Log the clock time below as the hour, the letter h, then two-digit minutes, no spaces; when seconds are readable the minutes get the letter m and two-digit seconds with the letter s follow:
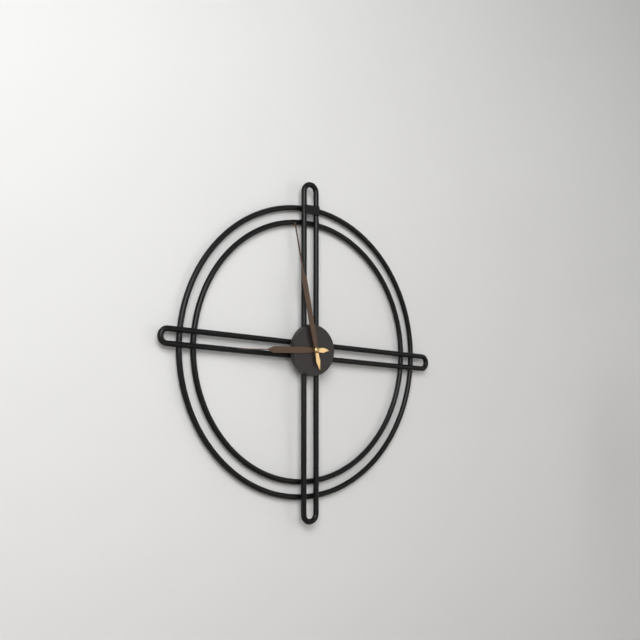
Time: 8h58
